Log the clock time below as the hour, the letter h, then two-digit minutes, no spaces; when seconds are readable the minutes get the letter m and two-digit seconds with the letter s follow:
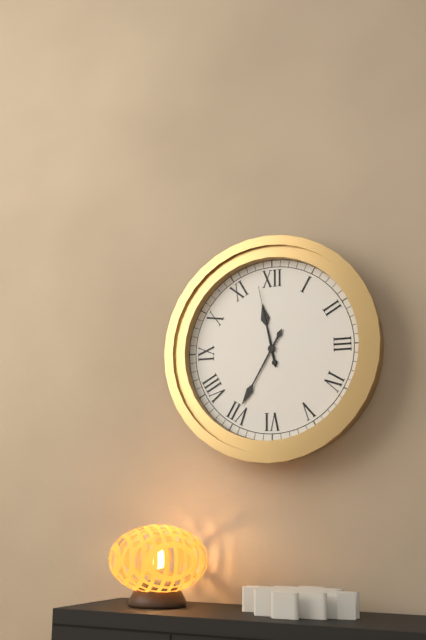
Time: 11h35m58s
